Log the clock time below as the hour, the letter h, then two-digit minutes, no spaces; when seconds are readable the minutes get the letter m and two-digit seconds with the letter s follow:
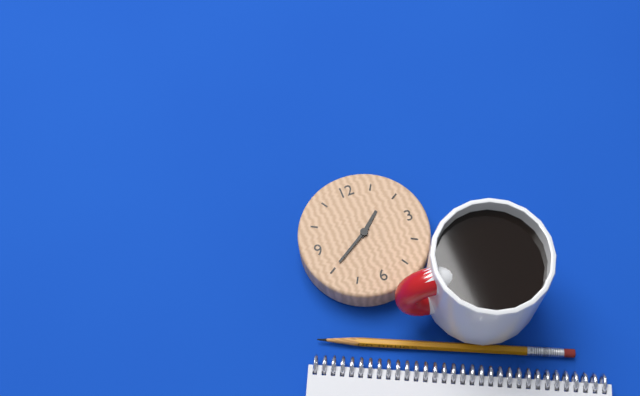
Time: 1h40
